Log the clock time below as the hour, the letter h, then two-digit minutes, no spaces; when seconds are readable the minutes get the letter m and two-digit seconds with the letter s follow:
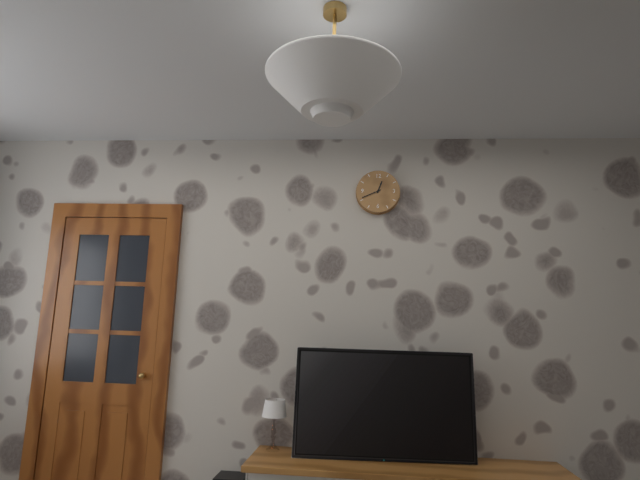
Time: 12h41
